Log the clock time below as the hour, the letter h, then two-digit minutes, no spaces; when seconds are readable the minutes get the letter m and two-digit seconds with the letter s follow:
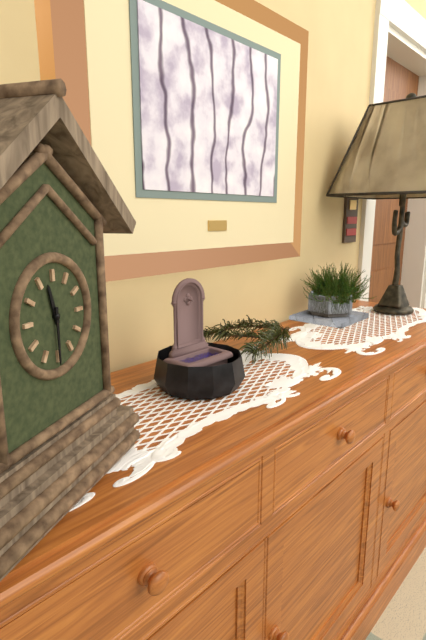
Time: 11h30
